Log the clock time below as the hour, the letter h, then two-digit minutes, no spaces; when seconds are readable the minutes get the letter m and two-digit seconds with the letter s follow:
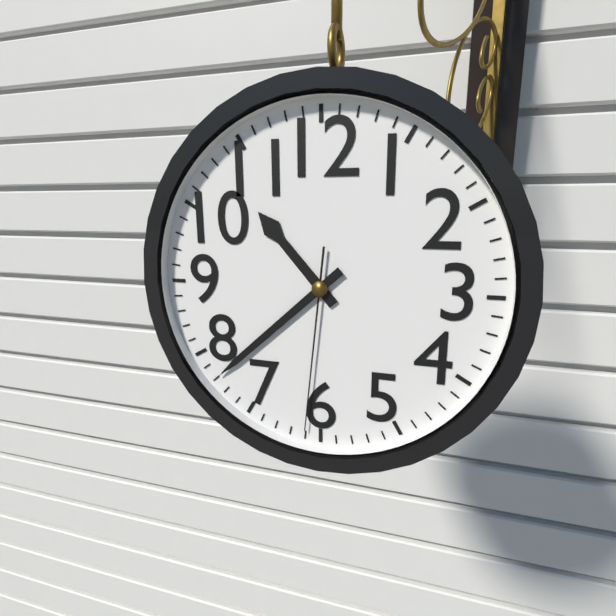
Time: 10h38m31s
